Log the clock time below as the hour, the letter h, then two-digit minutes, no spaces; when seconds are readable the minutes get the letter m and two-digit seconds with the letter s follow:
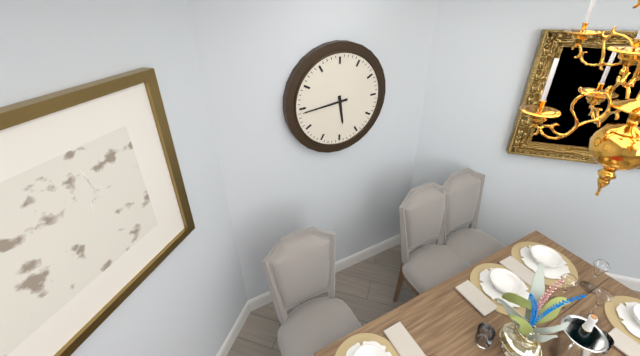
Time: 5h44
